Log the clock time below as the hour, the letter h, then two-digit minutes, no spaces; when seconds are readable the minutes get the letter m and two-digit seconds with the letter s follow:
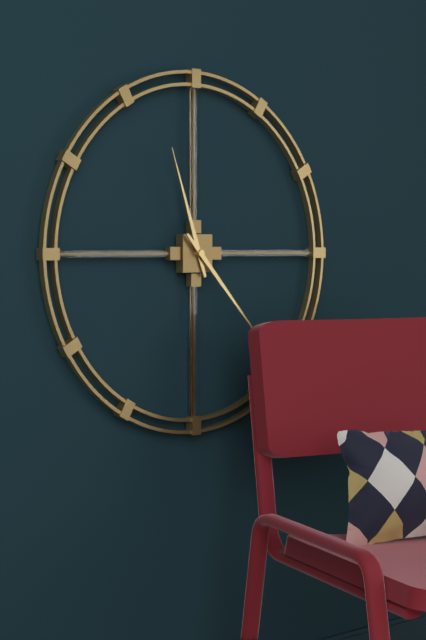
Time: 11h23
